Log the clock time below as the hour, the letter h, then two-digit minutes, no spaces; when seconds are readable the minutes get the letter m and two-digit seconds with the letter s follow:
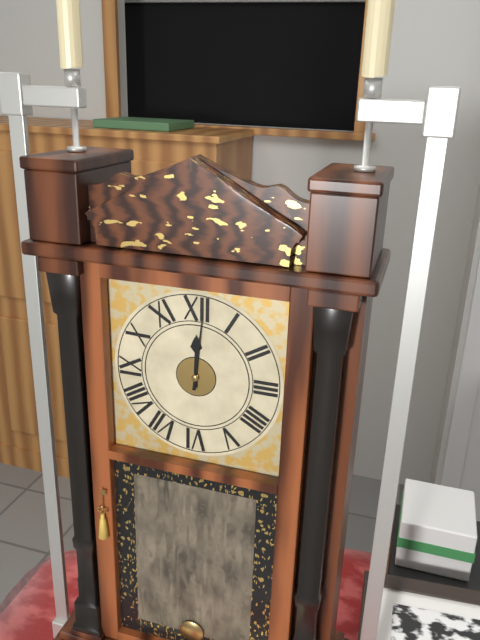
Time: 12h01
